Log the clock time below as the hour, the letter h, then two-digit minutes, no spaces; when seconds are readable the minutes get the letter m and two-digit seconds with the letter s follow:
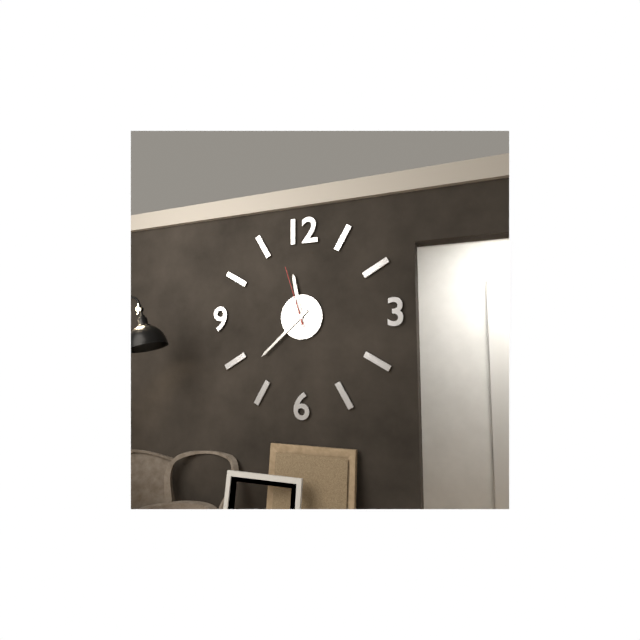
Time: 11h38m57s
